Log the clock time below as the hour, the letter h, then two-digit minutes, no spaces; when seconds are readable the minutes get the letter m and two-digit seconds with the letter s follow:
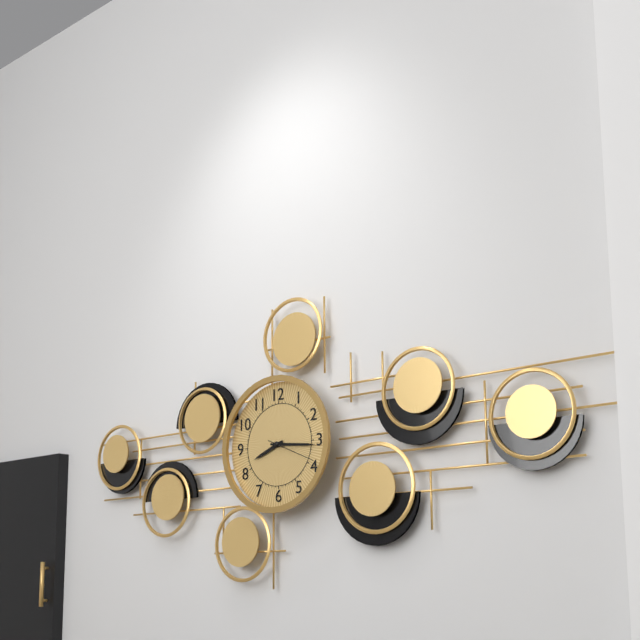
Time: 8h16
